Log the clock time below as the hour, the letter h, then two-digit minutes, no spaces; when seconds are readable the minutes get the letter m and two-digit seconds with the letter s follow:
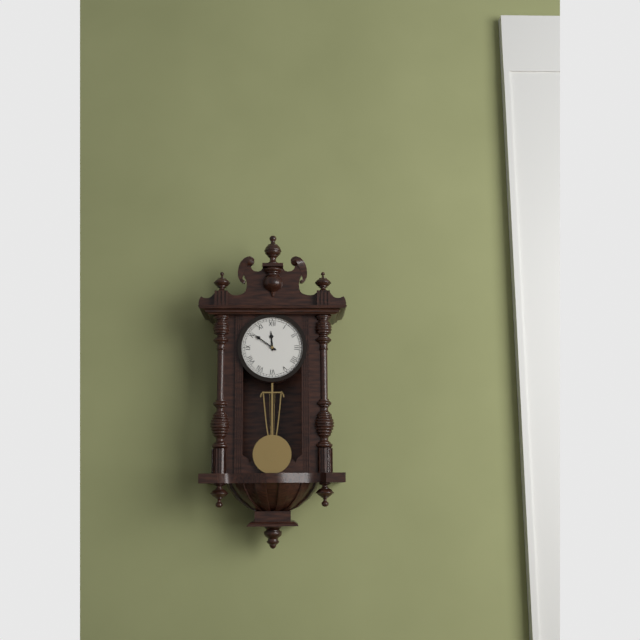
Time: 11h51
